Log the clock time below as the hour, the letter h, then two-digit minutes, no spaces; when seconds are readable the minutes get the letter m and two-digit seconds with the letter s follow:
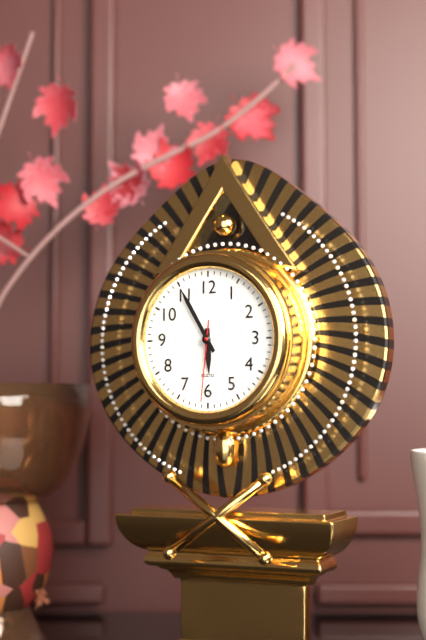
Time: 5h55m31s
